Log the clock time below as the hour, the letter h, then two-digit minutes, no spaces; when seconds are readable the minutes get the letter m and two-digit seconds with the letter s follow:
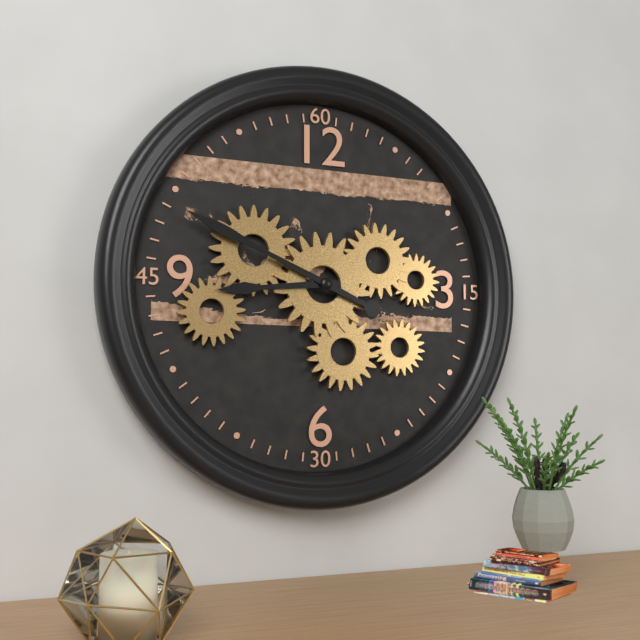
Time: 8h49
